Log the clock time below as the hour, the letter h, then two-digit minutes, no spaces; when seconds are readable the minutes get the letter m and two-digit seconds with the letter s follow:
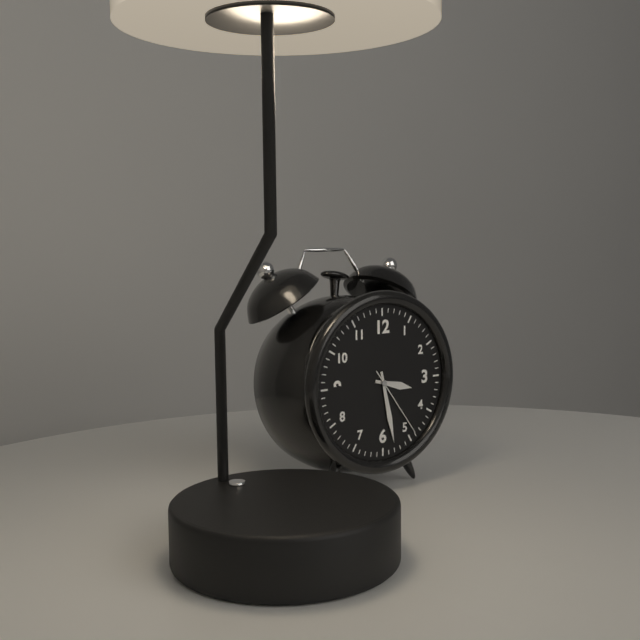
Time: 3h28m24s
